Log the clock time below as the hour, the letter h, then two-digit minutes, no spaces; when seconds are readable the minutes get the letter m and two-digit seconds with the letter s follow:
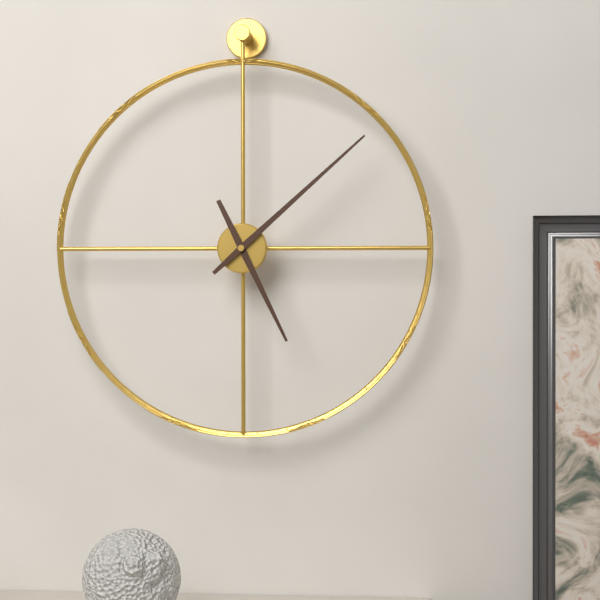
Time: 5h08
